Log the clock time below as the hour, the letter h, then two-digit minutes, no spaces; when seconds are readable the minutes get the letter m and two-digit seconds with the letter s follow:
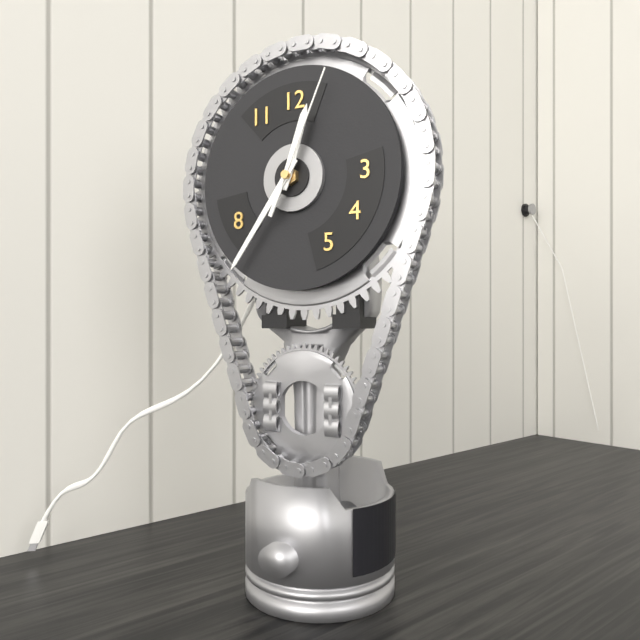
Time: 12h36m04s
